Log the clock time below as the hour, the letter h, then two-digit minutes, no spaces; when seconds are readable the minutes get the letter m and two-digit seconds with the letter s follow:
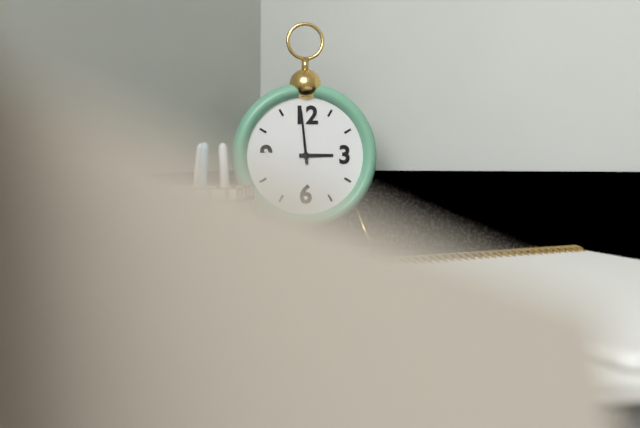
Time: 2h59
